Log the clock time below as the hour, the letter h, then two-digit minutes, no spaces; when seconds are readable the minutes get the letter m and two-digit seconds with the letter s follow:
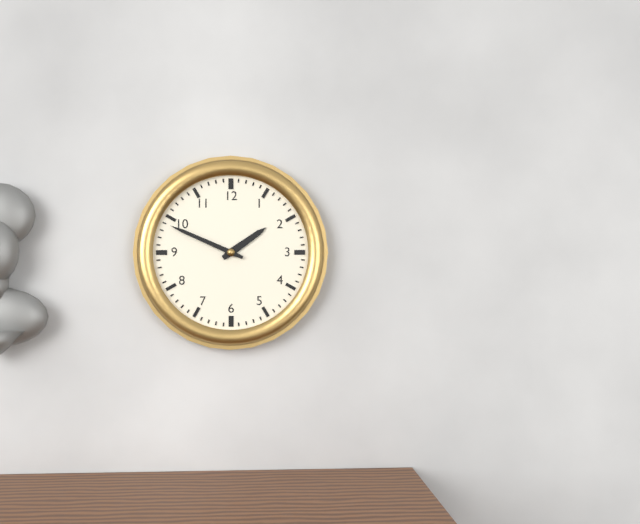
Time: 1h49
